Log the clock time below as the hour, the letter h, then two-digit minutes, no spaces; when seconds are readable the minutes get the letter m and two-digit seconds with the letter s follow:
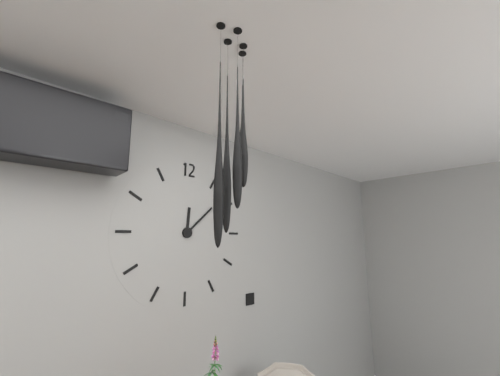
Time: 12h08
